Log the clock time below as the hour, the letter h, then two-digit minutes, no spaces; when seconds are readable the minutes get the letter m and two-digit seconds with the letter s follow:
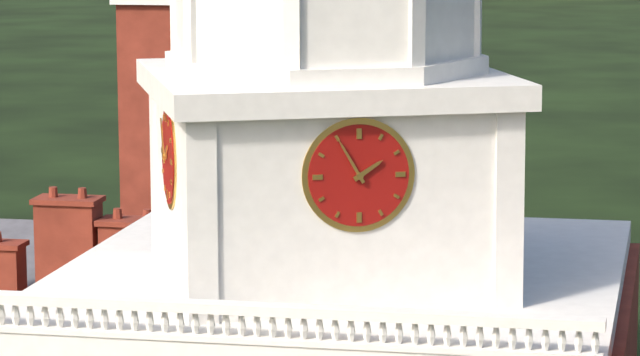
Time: 1h55
